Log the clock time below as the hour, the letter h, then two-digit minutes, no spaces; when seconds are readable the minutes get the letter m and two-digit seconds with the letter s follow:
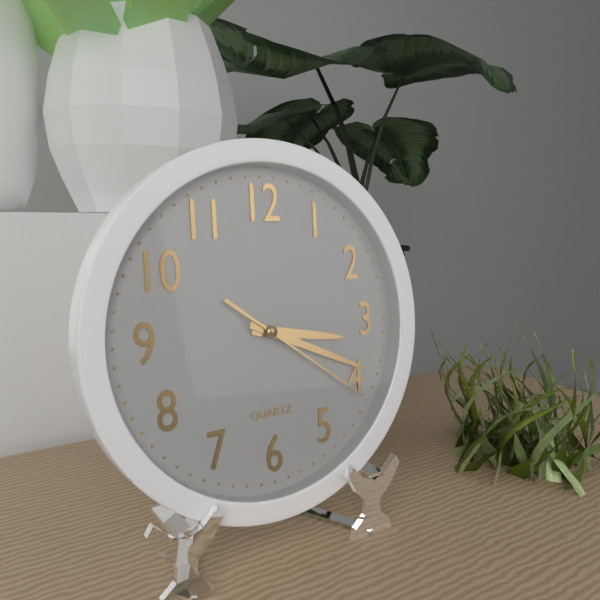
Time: 3h19m21s
